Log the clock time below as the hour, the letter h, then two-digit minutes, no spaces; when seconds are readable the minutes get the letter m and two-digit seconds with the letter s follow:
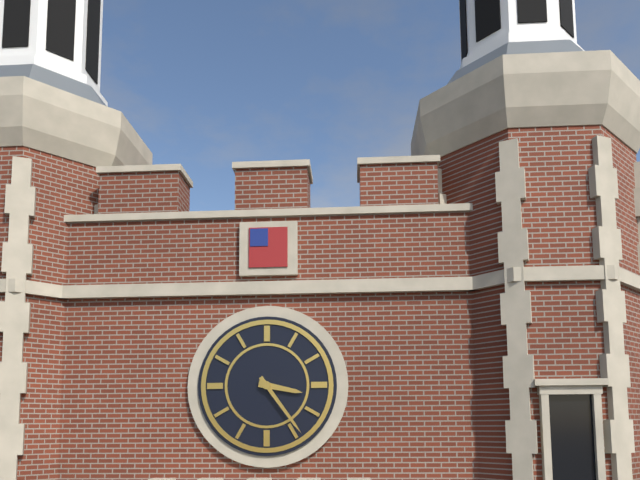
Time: 3h24
